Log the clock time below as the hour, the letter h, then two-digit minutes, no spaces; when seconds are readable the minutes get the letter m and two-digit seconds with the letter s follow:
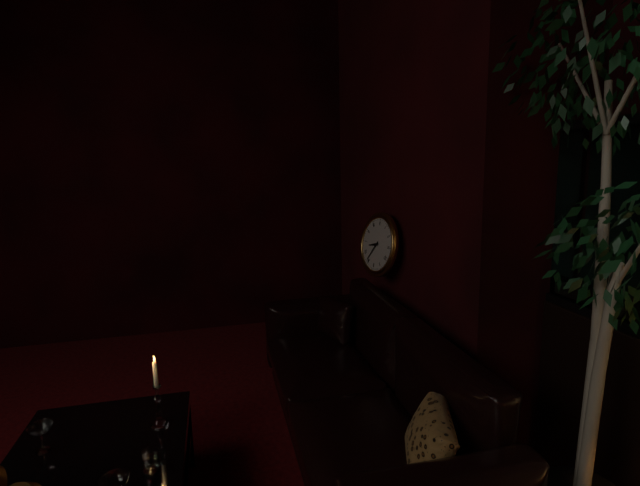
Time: 8h36
